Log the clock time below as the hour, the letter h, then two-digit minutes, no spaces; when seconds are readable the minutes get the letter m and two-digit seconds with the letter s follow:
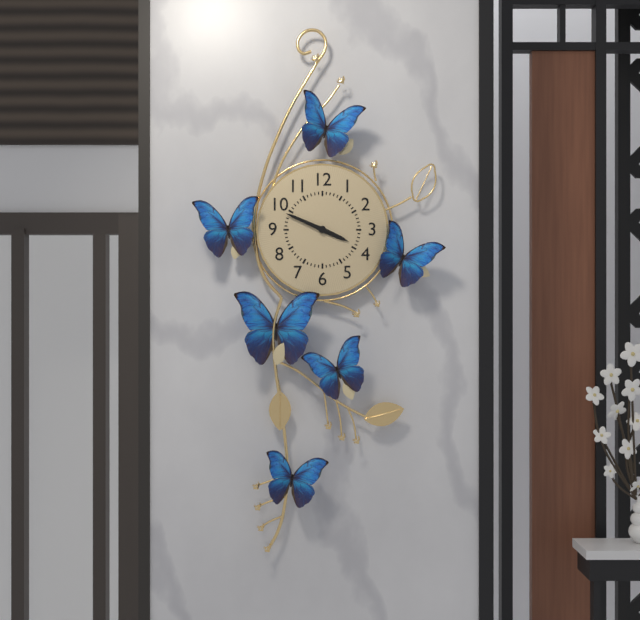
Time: 3h49
